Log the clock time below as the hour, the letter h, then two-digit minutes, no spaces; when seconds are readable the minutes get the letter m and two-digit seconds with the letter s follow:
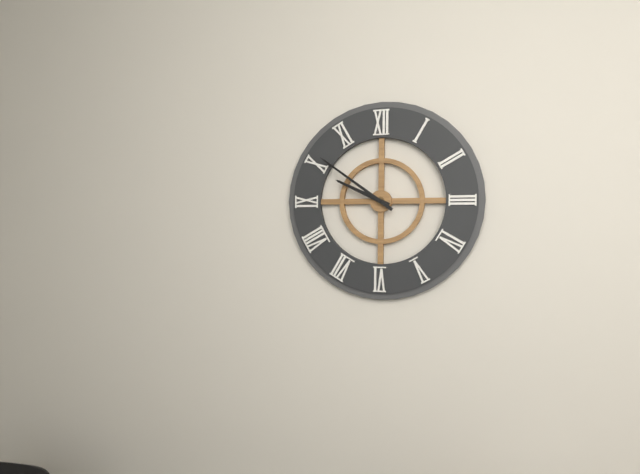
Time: 9h51
